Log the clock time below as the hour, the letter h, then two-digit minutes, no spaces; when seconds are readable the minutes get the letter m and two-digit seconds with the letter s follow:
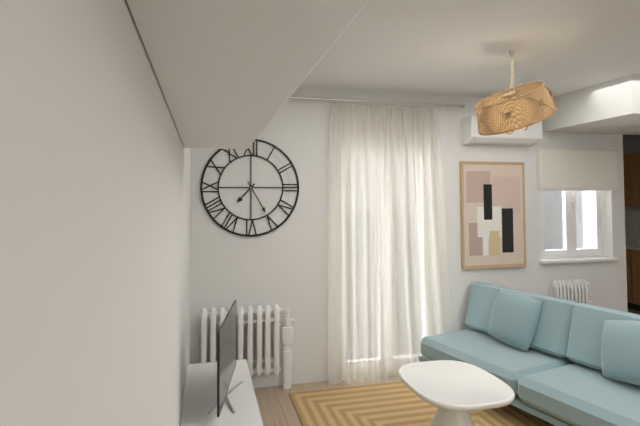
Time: 7h25
